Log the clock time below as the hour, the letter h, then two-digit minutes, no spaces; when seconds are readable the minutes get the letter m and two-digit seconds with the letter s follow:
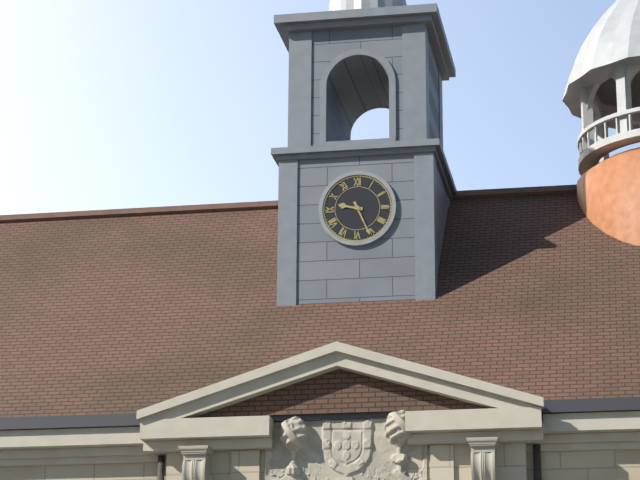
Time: 9h26
